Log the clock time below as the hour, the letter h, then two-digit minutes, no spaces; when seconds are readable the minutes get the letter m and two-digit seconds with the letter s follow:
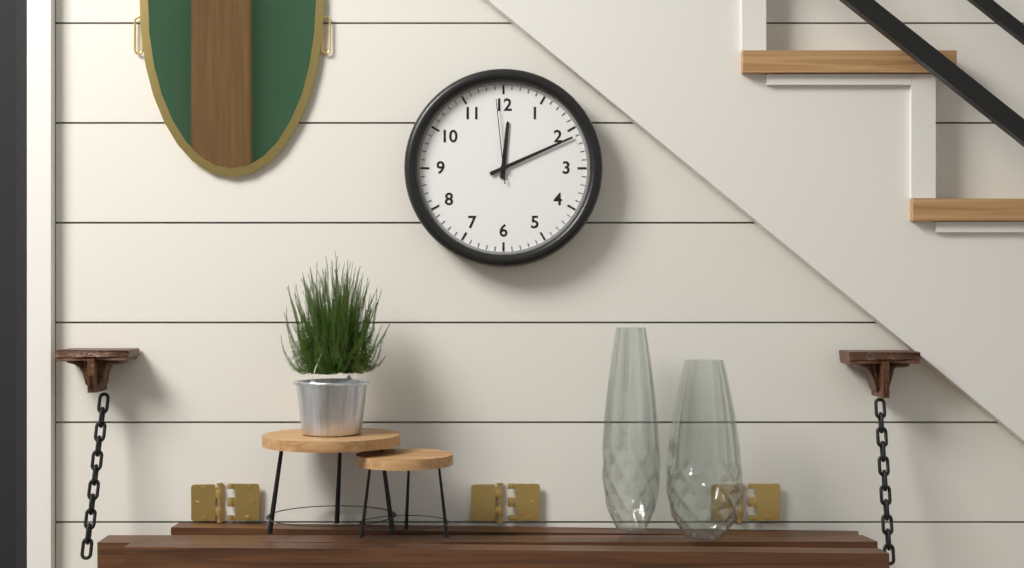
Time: 12h11m59s
